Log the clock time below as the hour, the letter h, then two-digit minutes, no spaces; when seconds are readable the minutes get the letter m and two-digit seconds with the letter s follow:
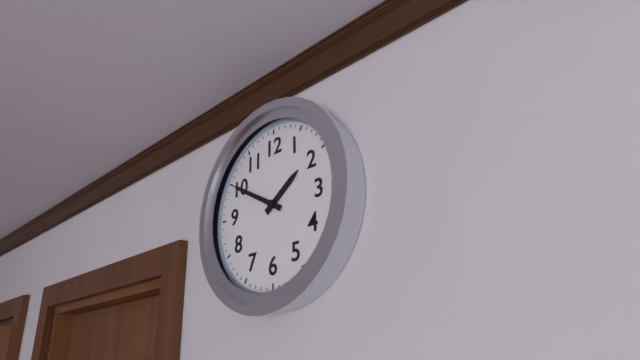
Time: 1h50
